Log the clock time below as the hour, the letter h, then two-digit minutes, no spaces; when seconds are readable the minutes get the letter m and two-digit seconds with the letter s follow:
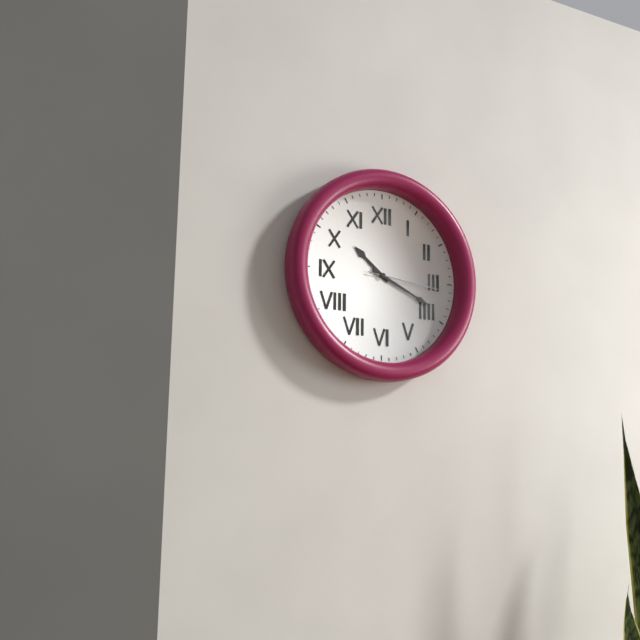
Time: 10h19m16s
